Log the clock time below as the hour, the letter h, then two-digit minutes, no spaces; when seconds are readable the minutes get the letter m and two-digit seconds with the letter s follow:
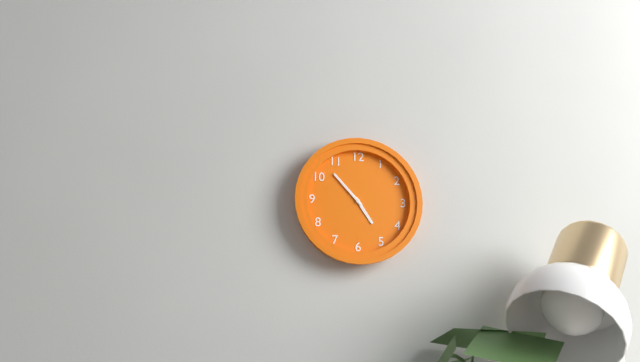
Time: 4h53
